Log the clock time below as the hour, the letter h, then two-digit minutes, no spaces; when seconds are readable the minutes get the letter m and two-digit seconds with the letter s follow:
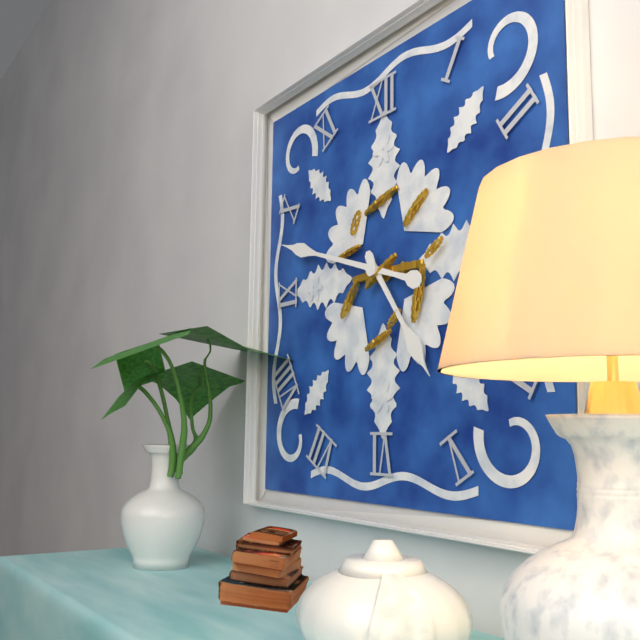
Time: 4h48
